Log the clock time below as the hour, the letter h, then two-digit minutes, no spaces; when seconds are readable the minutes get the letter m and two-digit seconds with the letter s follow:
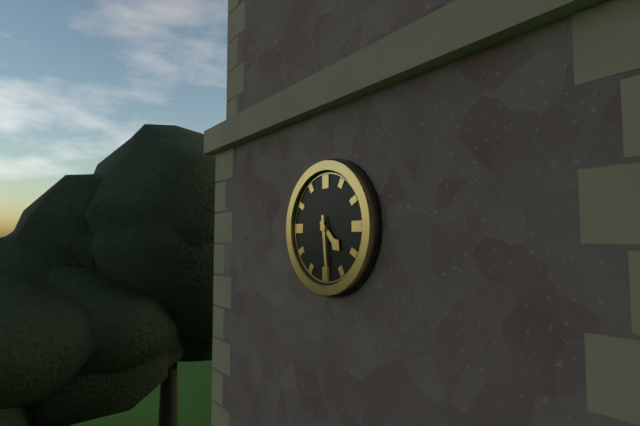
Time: 4h29
